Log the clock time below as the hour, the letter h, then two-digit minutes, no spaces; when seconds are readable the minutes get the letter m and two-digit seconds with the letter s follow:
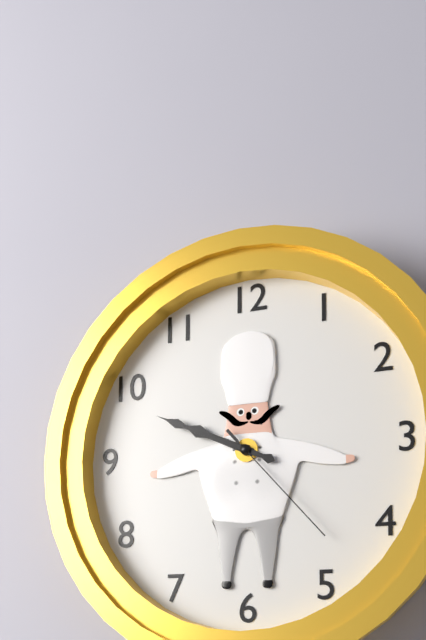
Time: 9h49m23s
